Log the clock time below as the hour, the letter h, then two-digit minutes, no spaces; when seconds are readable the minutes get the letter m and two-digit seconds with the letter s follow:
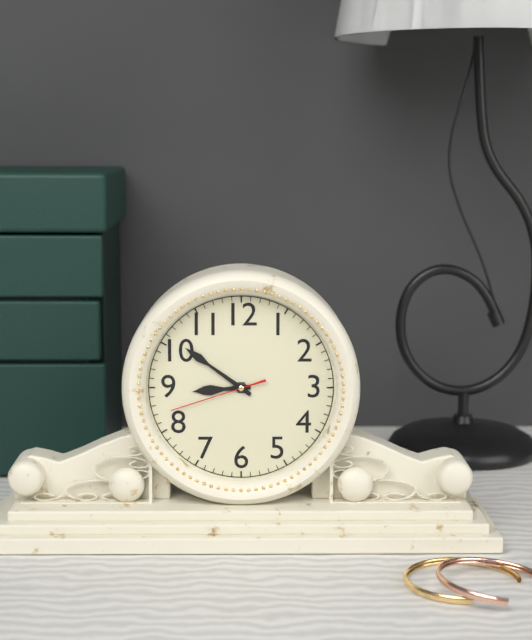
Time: 8h51m42s
